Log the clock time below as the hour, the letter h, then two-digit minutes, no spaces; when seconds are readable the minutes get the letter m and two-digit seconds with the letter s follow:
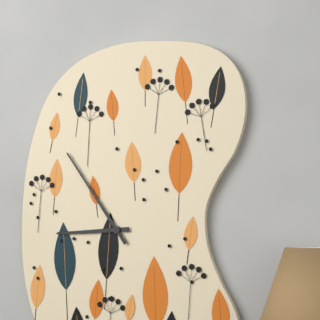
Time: 8h54
